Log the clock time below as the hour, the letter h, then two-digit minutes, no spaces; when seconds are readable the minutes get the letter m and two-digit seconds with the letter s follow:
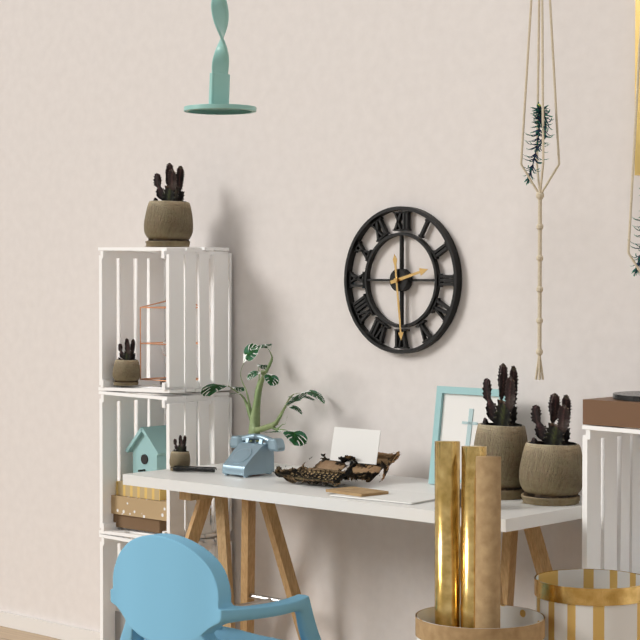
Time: 2h29
